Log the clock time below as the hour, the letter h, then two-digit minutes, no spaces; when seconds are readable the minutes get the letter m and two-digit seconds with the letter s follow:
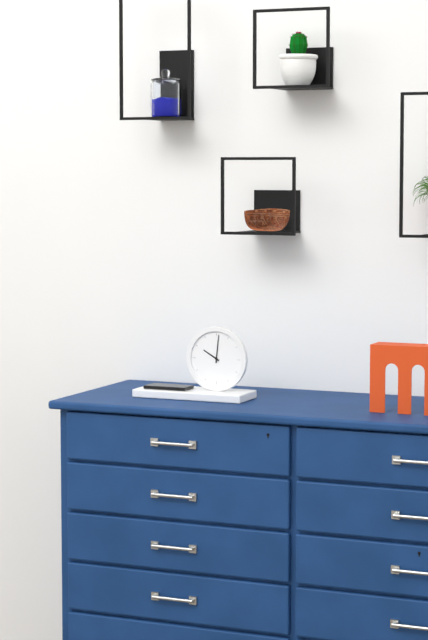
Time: 10h01
